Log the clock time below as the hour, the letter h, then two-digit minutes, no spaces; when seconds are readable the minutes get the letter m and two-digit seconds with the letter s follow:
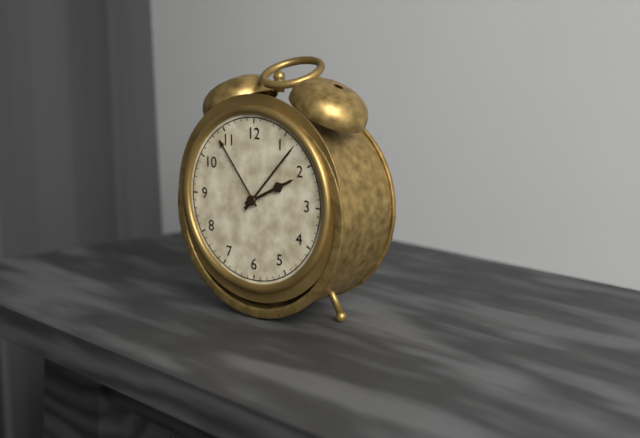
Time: 2h07
